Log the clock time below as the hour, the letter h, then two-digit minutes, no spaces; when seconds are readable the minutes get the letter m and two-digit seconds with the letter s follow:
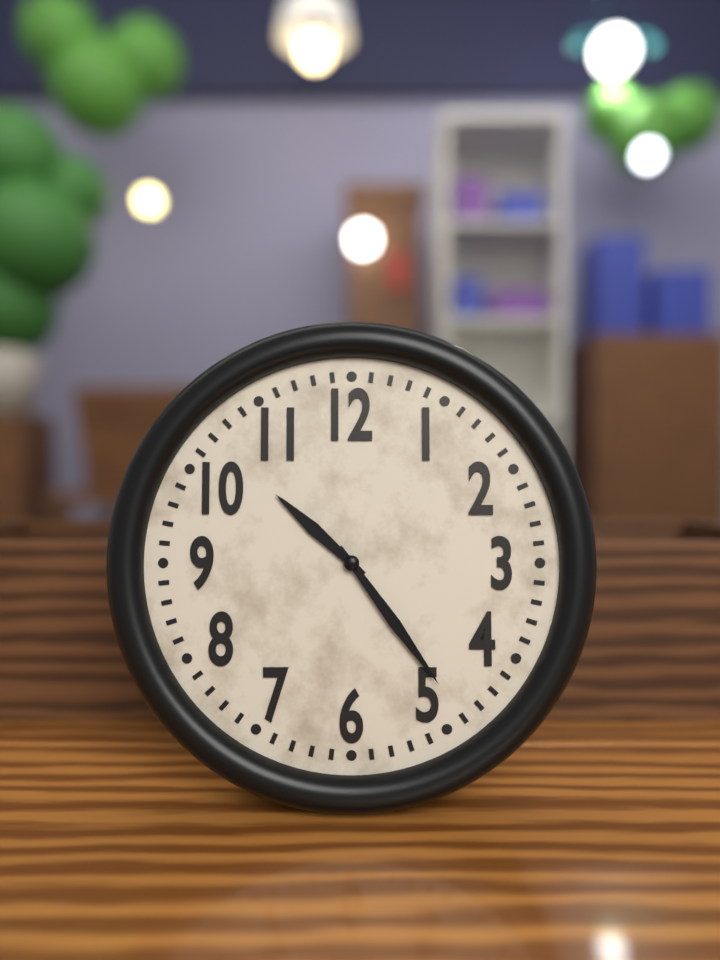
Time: 10h24
